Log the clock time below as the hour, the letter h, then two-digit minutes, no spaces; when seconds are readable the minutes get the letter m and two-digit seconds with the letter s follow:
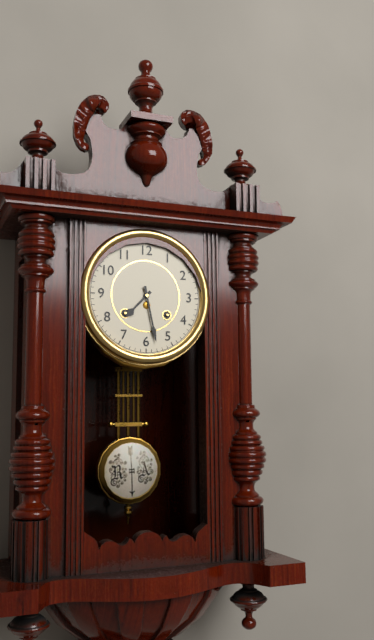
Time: 7h28
